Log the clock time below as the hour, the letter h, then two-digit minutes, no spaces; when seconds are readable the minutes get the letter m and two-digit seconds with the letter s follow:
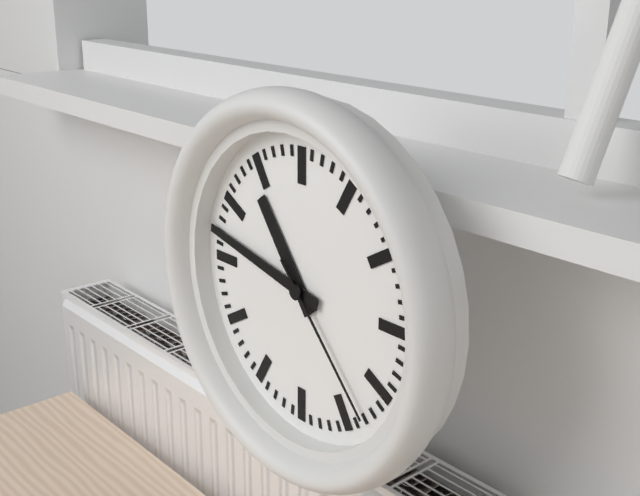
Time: 10h47m23s
